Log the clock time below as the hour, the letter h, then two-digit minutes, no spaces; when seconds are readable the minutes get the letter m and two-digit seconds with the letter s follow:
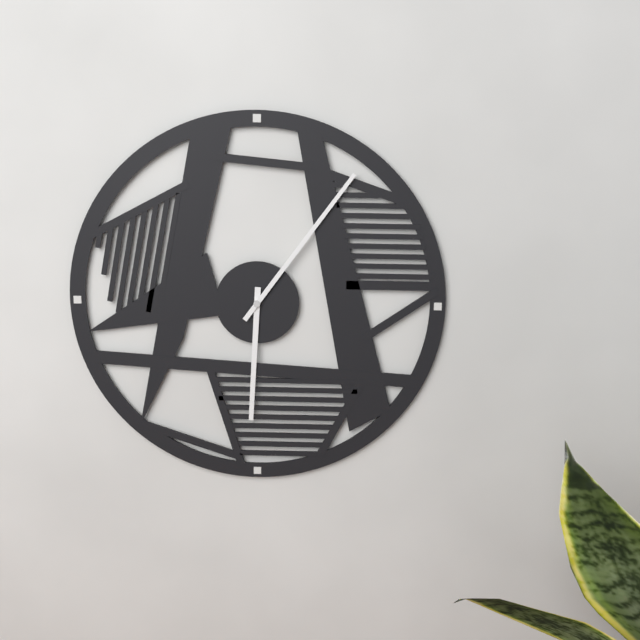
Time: 6h06
